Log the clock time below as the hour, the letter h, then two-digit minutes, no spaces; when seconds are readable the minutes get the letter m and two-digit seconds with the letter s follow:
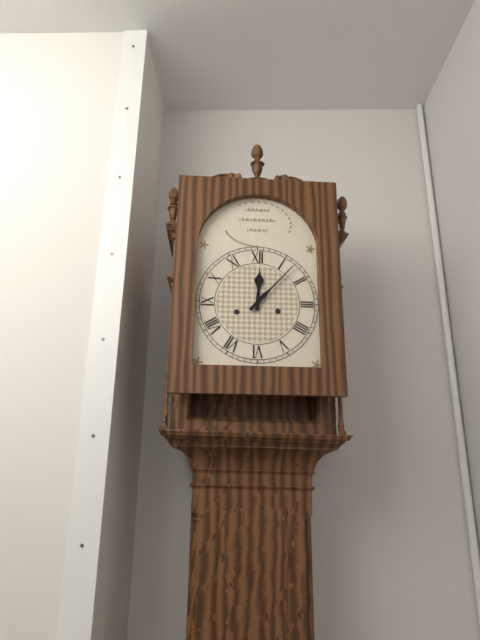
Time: 12h07
